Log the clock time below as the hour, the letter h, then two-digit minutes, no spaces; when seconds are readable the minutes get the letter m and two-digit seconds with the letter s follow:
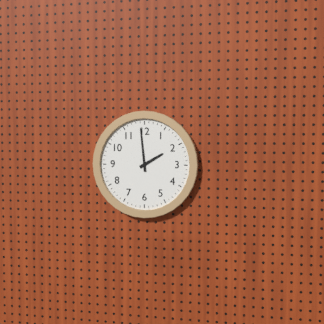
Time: 1h59
